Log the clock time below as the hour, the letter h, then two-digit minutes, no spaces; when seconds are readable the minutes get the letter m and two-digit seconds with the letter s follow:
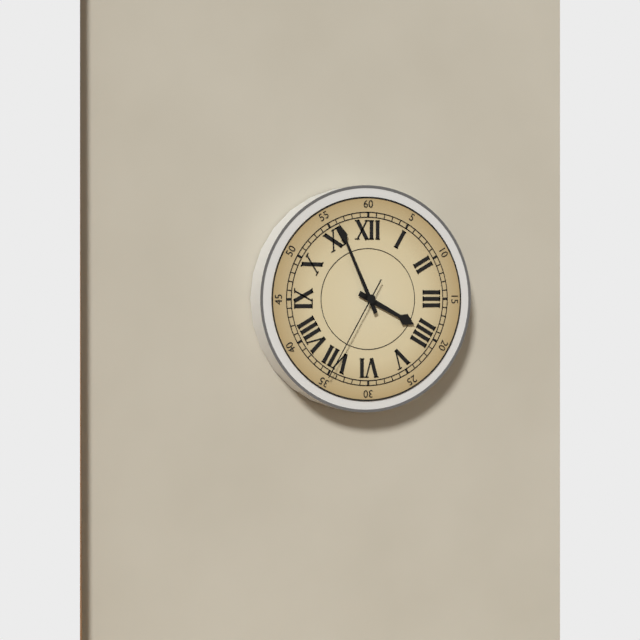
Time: 3h56m35s
